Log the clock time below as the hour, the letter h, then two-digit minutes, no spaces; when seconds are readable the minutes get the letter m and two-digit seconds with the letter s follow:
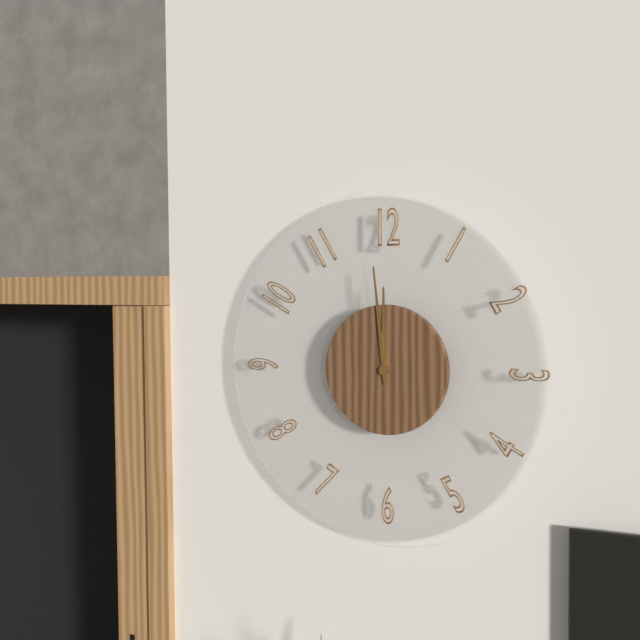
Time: 11h59
